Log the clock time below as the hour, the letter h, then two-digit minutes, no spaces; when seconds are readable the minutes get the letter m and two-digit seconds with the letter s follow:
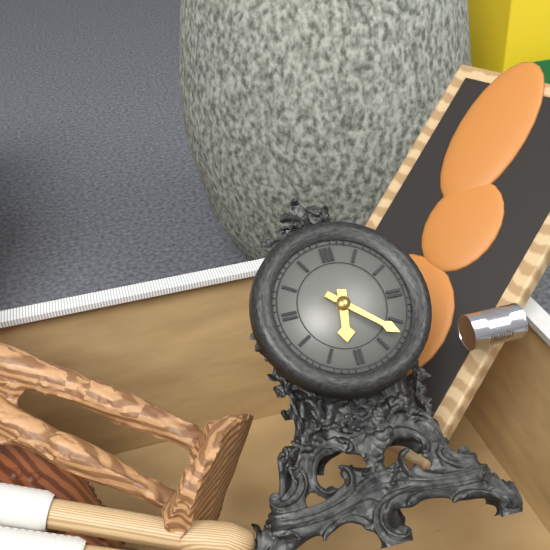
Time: 6h22
